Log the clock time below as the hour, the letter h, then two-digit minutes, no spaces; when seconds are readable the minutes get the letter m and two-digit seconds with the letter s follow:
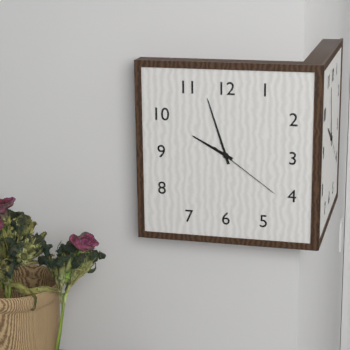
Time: 9h57m21s
